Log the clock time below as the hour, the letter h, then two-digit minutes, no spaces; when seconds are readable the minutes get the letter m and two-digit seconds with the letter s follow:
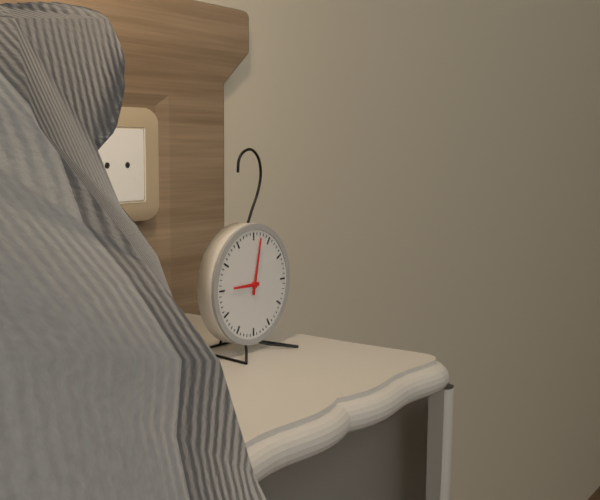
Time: 9h02
